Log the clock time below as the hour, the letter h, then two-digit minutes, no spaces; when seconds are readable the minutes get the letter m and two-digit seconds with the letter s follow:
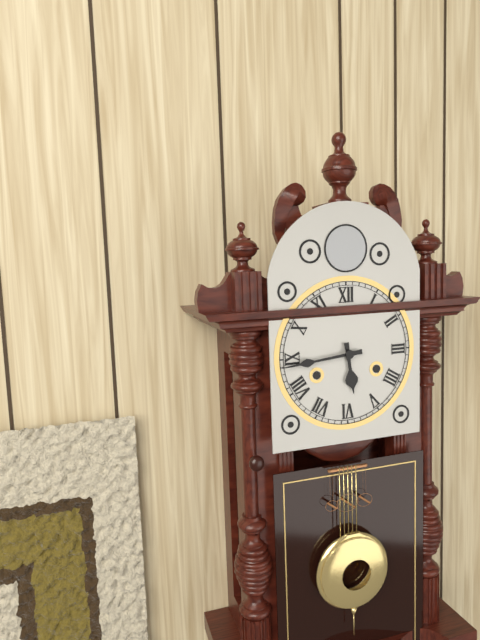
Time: 5h44
